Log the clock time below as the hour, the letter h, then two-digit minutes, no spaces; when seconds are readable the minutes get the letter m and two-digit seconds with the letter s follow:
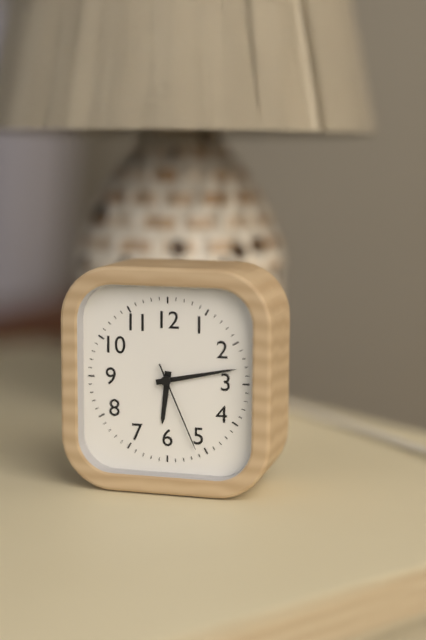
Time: 6h13m26s
